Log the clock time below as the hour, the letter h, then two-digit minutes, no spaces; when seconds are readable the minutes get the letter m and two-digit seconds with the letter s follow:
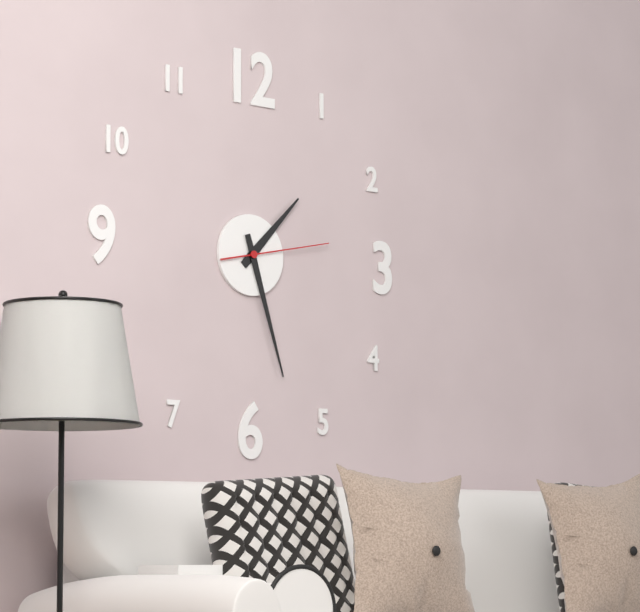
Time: 1h27m13s
